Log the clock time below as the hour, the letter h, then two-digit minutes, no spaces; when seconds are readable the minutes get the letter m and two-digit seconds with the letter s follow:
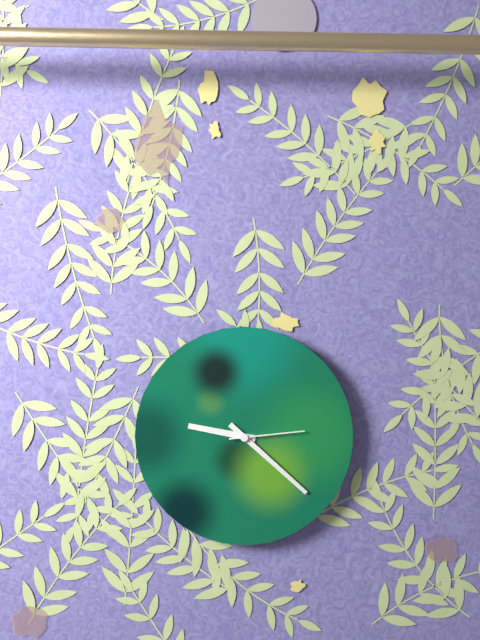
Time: 9h22m14s
